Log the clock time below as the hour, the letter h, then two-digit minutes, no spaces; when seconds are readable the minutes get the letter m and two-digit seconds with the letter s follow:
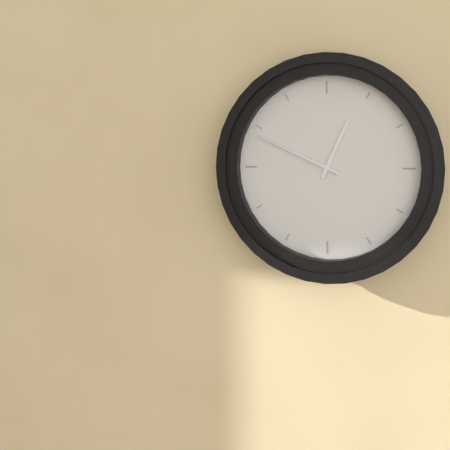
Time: 12h49
